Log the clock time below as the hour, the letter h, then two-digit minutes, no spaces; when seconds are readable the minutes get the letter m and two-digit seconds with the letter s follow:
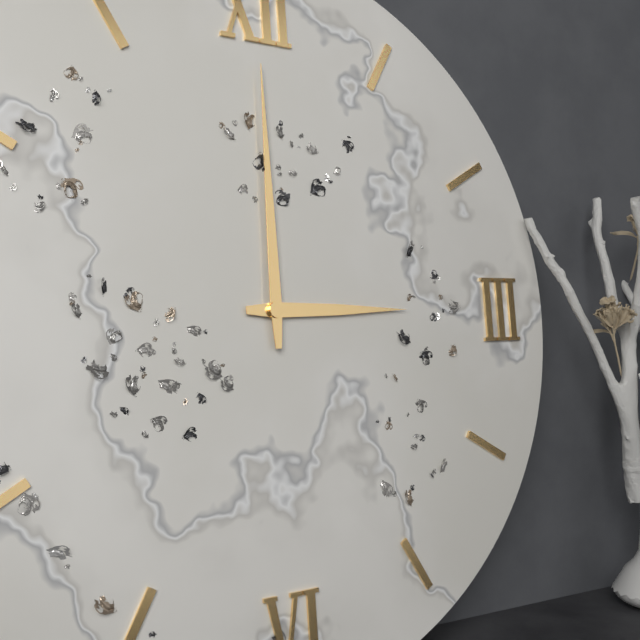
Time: 3h00
